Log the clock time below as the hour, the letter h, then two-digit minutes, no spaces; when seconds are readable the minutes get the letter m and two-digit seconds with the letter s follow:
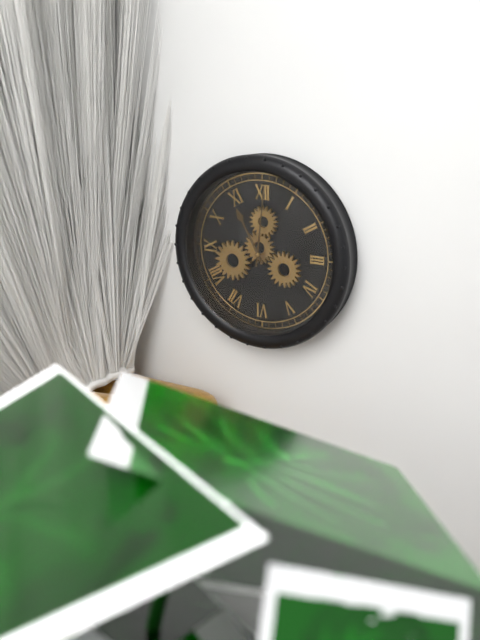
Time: 11h01
